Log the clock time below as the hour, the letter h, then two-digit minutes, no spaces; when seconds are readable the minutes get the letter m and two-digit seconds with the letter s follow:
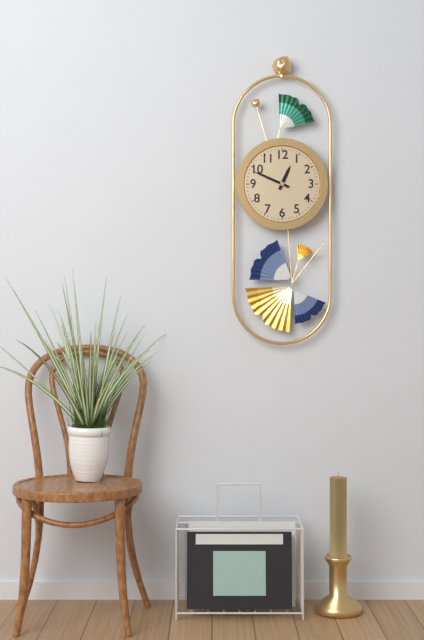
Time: 12h49
